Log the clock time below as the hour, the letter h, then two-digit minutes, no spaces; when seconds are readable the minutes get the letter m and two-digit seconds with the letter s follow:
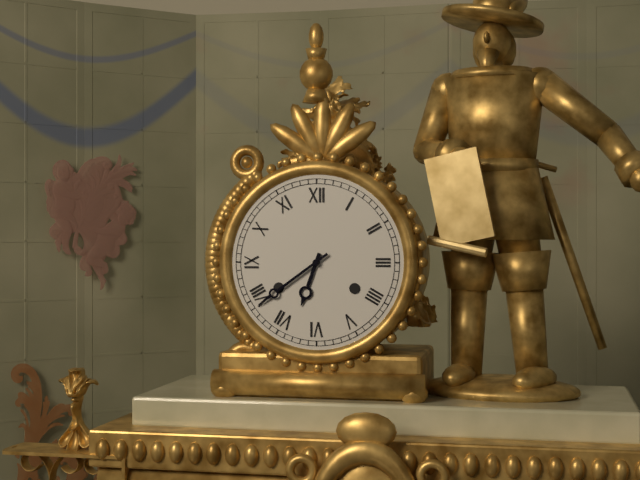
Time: 6h39
